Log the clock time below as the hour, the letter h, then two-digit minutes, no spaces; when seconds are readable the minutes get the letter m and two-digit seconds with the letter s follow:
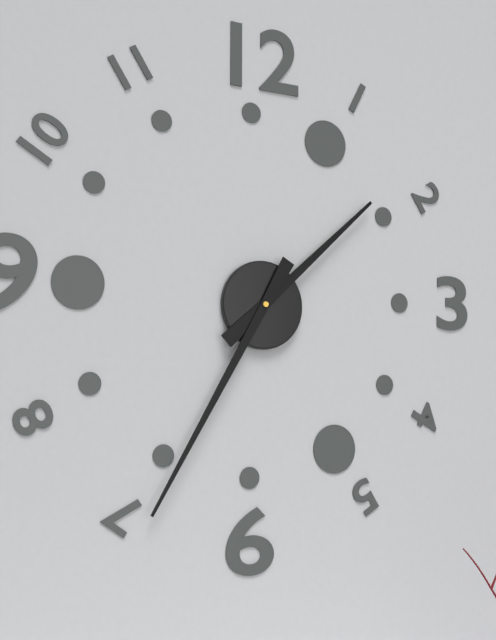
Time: 1h35
